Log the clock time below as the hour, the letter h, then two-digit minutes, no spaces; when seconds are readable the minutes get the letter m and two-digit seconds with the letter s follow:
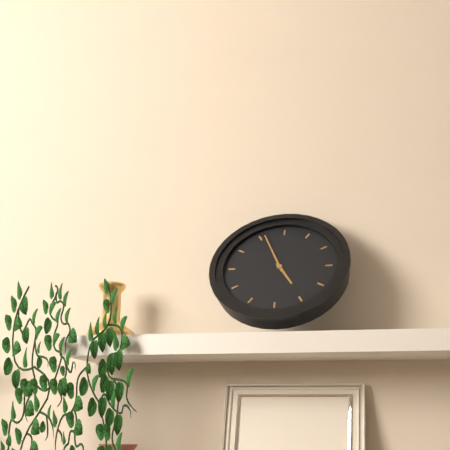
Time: 4h56
